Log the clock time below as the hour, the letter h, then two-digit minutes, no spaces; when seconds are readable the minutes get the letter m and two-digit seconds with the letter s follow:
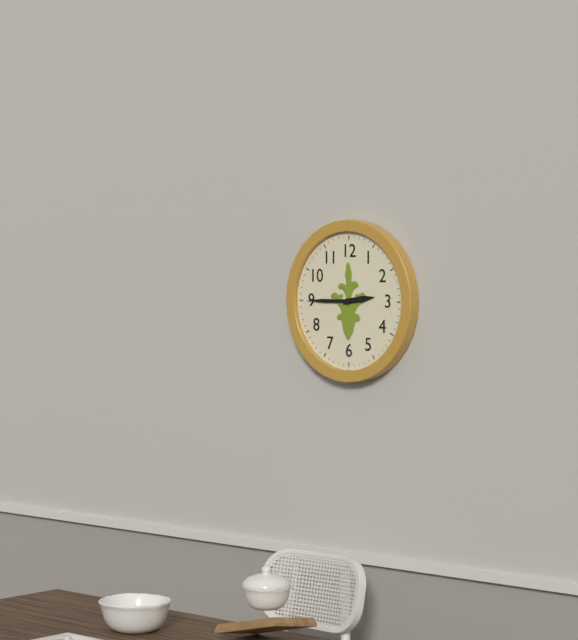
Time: 2h45
